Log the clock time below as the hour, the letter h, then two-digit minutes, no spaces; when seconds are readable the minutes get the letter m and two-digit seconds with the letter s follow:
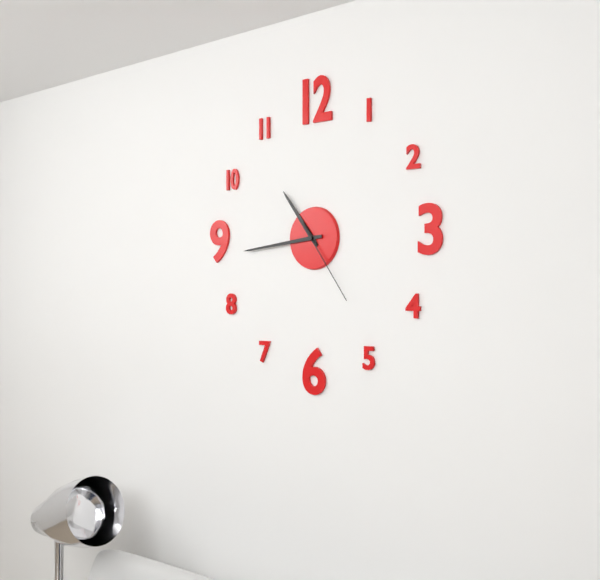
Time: 10h44m24s
